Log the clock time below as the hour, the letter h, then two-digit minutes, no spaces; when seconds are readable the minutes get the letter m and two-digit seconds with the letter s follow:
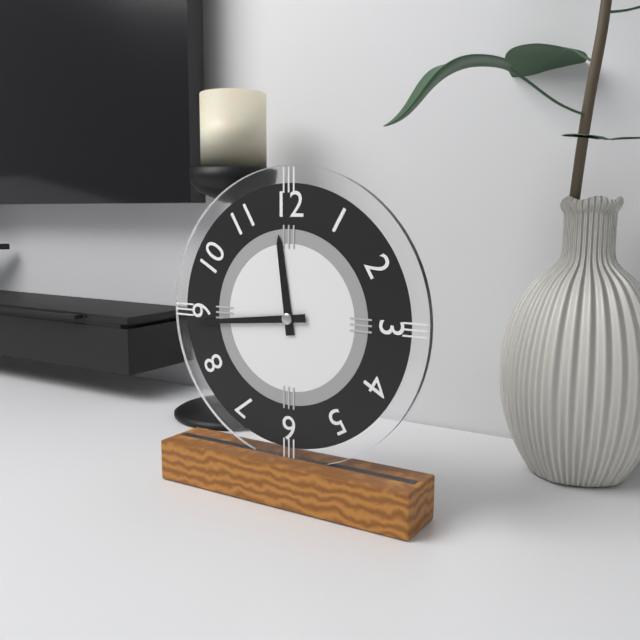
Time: 11h44
